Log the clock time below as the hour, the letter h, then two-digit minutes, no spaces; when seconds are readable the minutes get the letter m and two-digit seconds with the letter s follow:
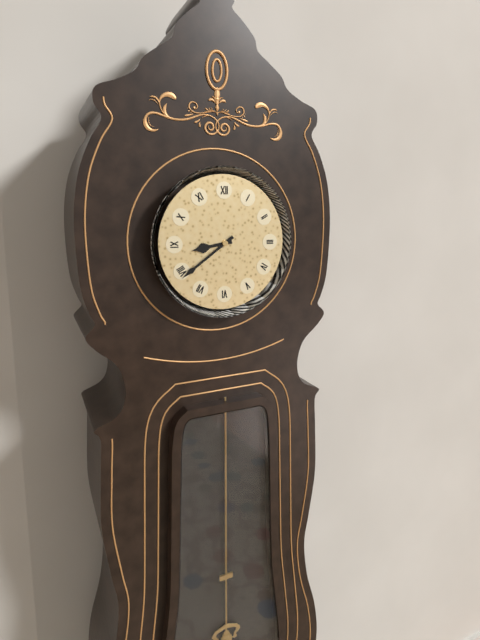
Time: 8h39
